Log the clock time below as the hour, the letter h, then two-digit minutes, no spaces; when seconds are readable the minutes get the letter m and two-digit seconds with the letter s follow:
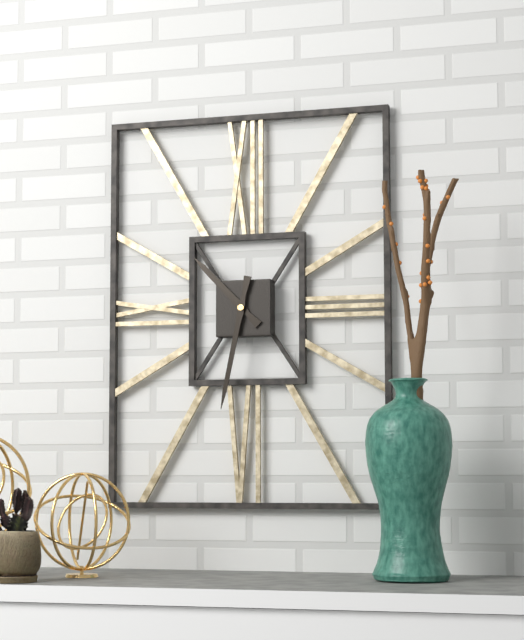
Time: 10h32
